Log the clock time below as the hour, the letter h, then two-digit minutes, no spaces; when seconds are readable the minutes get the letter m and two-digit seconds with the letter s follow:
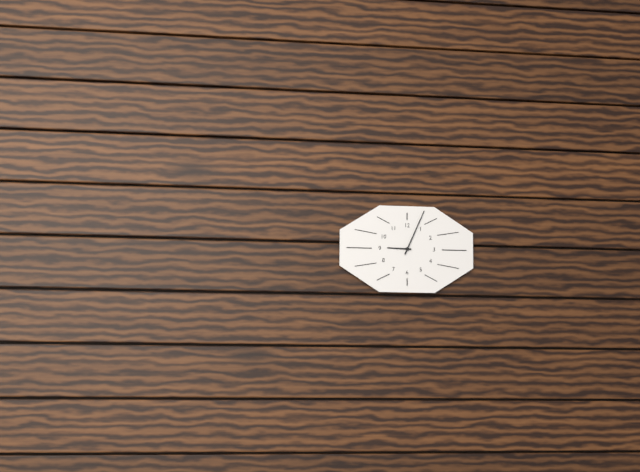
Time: 9h04
